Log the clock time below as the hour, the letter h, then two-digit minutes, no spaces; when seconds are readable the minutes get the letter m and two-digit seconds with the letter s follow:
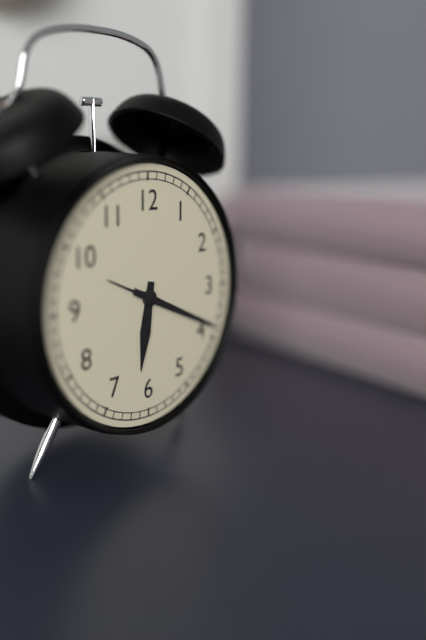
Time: 6h19
